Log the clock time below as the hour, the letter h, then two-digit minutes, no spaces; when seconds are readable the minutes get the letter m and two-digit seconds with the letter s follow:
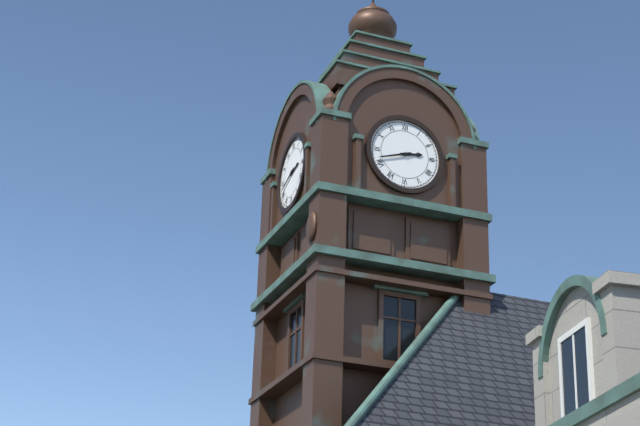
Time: 2h42
